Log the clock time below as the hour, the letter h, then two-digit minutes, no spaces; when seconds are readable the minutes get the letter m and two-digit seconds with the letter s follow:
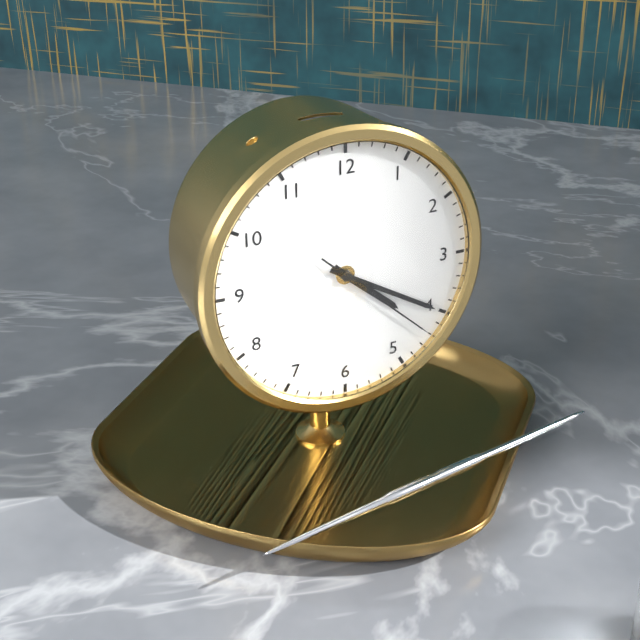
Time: 4h20m22s
